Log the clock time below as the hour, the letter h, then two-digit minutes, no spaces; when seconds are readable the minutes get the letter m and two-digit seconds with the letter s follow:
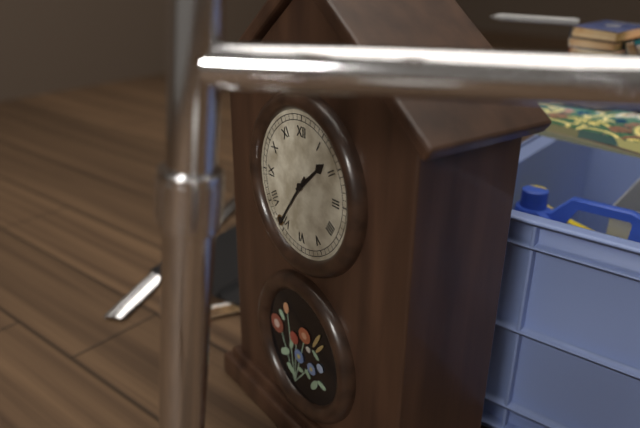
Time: 1h36
